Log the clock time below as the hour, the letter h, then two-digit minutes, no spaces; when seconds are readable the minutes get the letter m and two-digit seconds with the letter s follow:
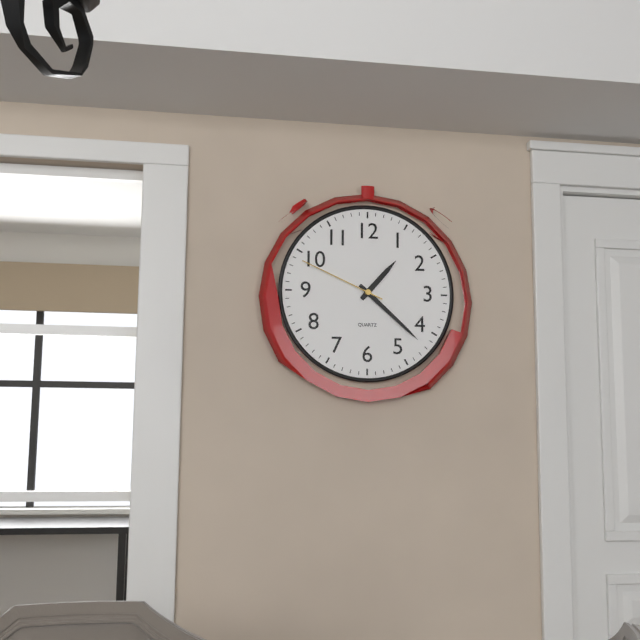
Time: 1h22m49s
